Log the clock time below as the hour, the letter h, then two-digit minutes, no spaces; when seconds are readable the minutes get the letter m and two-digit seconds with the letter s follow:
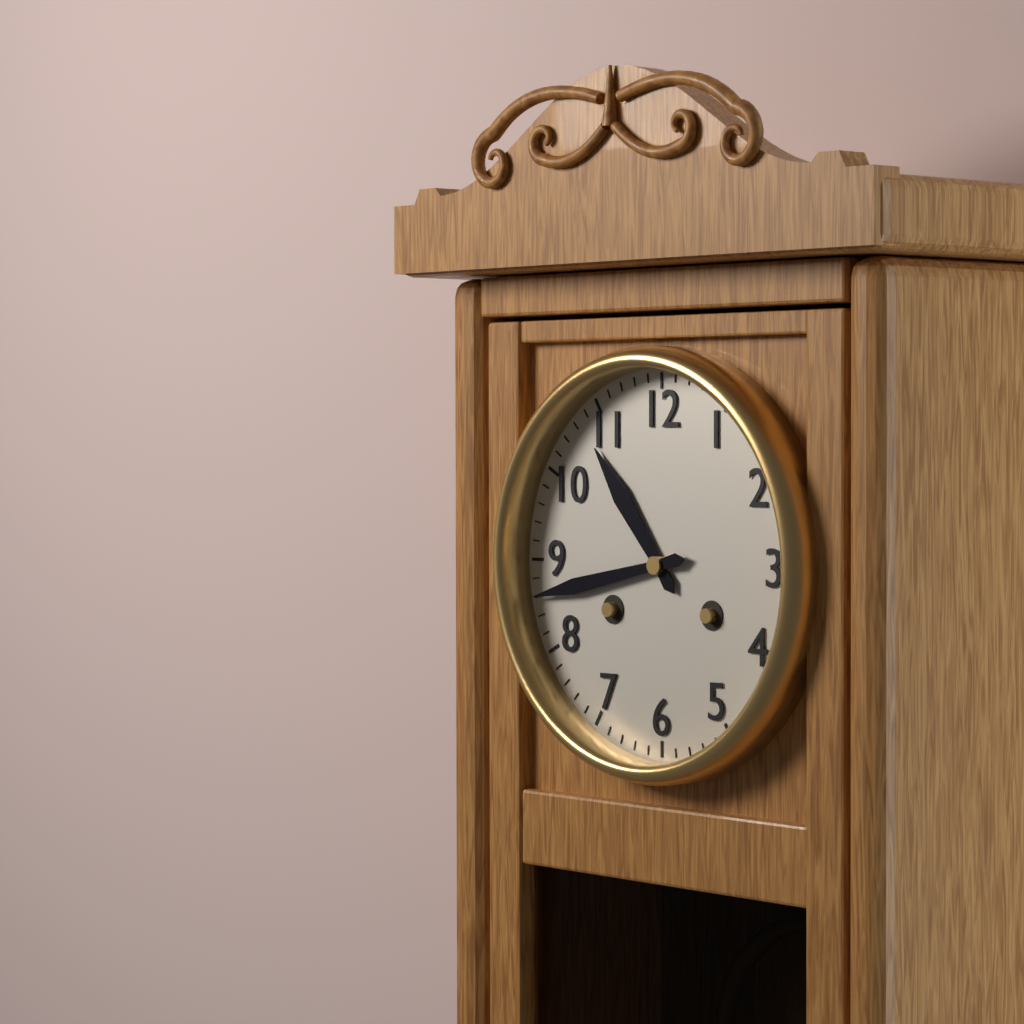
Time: 10h43
